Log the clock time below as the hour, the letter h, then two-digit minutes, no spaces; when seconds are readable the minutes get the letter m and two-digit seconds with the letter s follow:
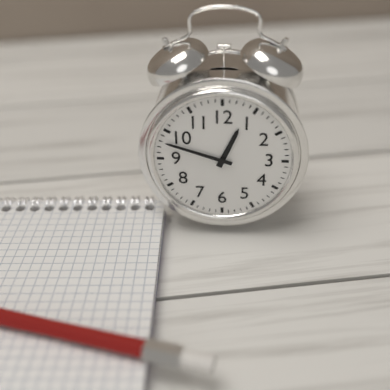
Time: 12h48
